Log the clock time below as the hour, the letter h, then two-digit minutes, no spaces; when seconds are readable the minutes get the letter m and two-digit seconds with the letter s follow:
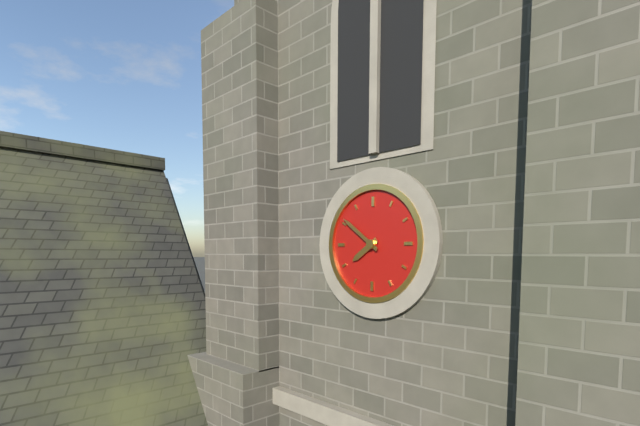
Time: 7h51
